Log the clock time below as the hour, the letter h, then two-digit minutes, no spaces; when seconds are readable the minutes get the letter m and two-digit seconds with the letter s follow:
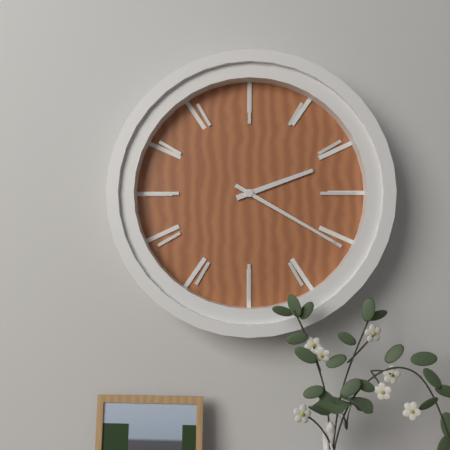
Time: 2h20
